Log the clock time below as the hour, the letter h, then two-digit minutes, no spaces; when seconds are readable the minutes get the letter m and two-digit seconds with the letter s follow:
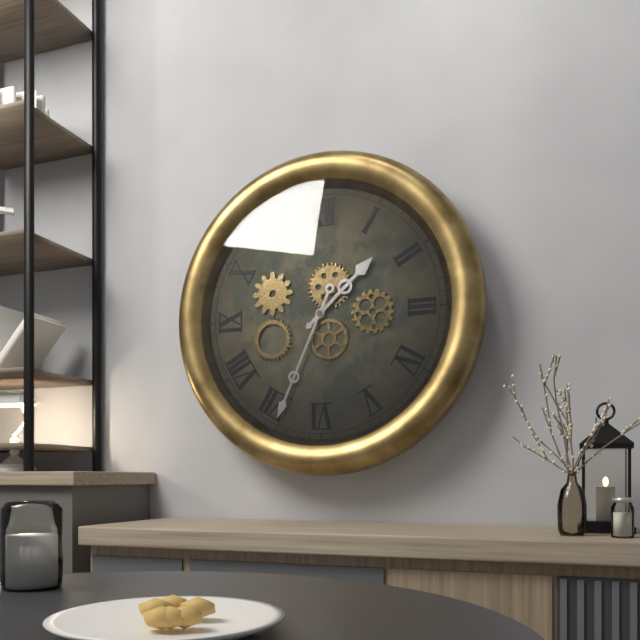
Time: 1h34
